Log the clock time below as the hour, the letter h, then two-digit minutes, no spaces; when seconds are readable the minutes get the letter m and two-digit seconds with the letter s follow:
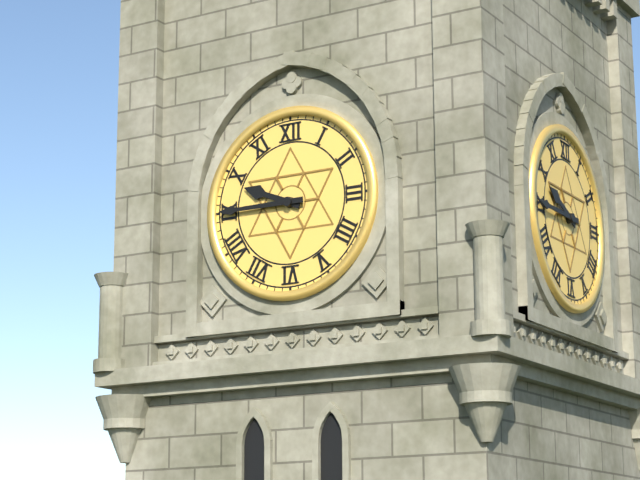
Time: 9h45
